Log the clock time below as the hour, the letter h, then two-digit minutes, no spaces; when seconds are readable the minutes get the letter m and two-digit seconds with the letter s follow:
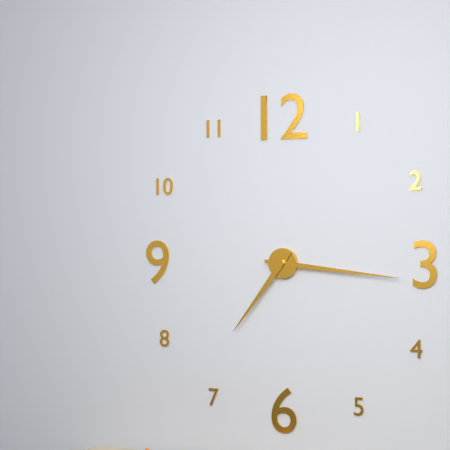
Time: 7h16
